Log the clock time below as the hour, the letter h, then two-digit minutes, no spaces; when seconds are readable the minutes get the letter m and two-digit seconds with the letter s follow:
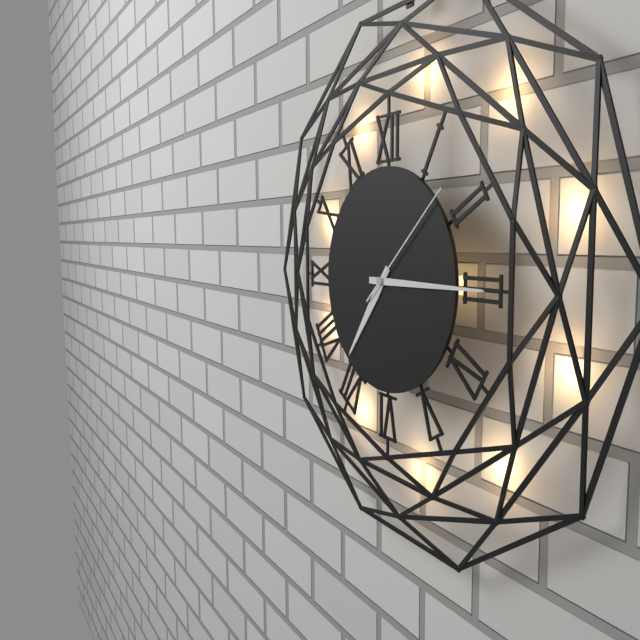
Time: 7h15m08s
